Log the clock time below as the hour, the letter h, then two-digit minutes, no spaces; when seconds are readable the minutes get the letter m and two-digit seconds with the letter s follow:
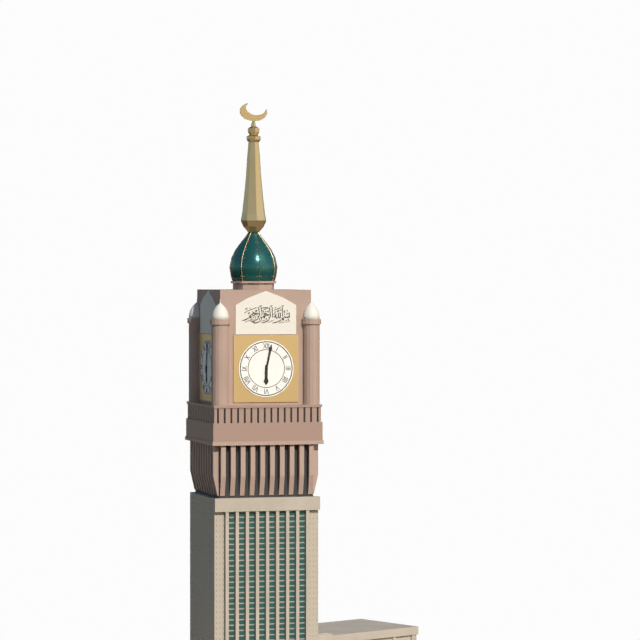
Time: 6h02
